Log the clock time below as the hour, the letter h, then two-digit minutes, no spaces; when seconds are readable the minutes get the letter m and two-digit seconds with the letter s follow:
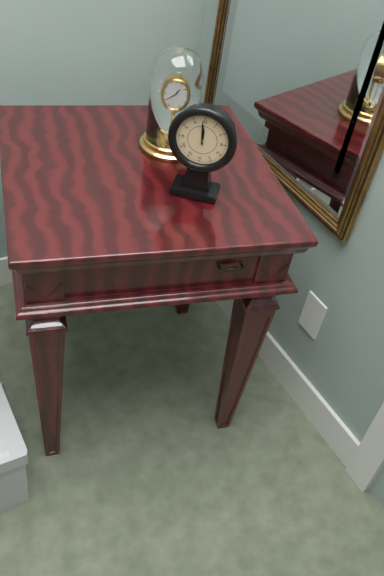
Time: 11h59
